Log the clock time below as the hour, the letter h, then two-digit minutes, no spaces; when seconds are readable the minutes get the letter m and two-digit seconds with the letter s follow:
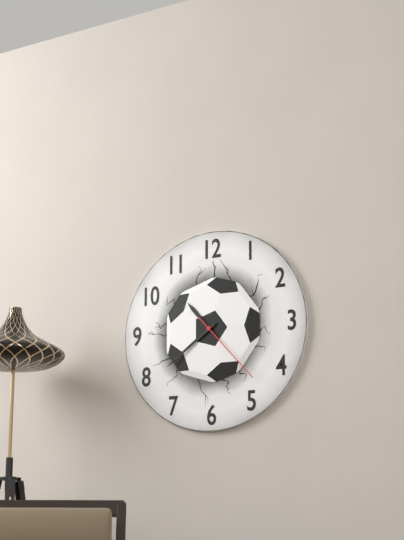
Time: 10h39m23s
